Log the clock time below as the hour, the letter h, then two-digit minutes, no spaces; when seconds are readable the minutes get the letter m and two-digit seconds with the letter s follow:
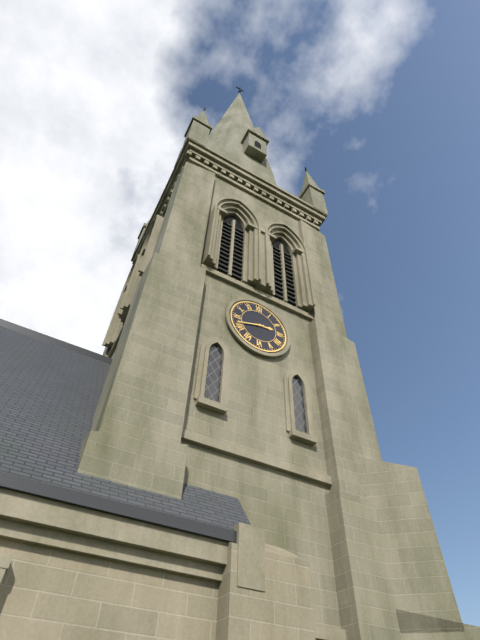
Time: 2h42
